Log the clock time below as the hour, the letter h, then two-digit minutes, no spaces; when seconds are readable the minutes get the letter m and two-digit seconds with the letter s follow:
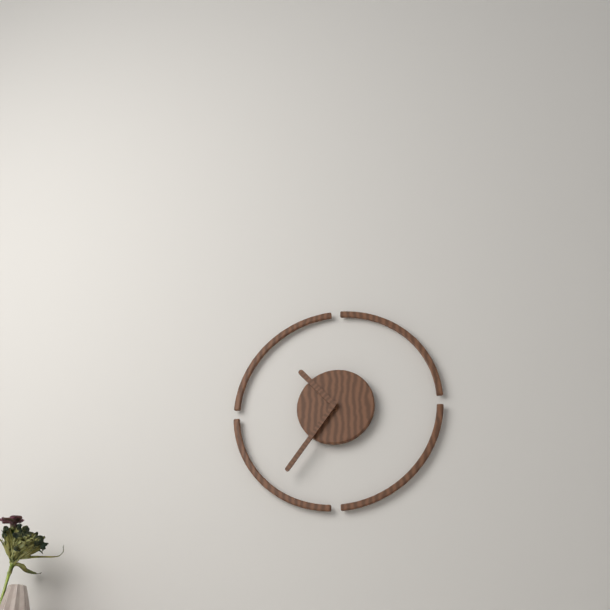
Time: 10h36
